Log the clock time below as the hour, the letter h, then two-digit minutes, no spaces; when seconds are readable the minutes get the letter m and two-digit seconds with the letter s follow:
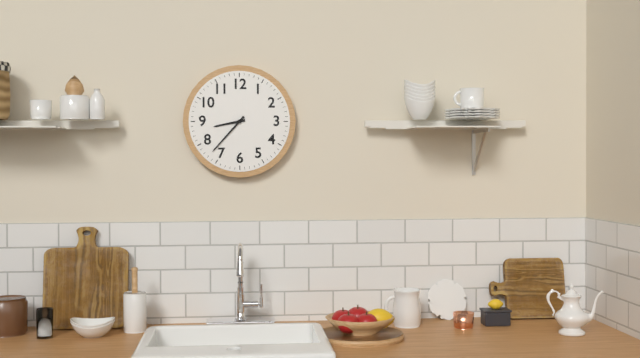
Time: 8h37
